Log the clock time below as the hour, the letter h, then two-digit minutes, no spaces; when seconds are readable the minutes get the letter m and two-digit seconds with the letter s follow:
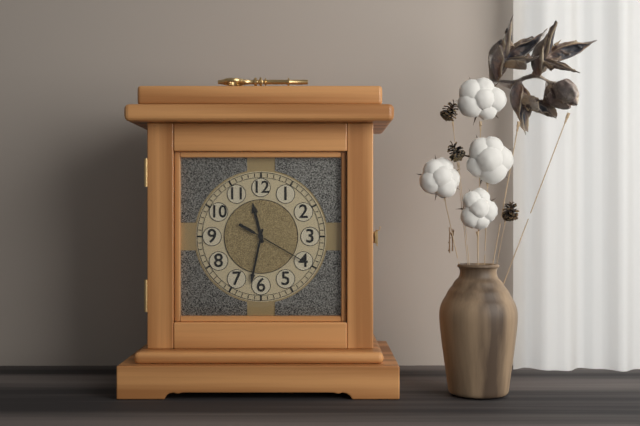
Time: 11h32m20s
